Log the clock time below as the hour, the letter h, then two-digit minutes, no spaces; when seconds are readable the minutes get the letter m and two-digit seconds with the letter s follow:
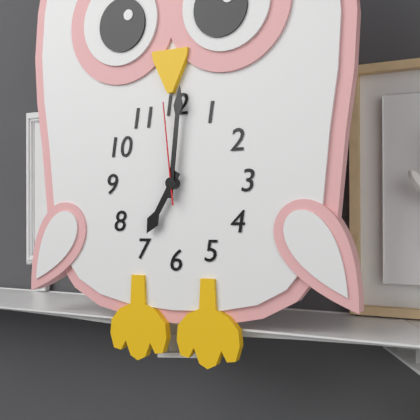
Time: 7h01m59s
